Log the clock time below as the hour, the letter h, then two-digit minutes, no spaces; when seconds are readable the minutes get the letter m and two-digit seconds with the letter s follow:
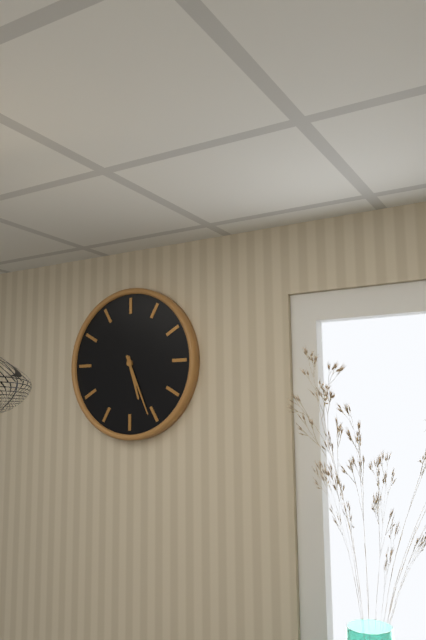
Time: 5h26
